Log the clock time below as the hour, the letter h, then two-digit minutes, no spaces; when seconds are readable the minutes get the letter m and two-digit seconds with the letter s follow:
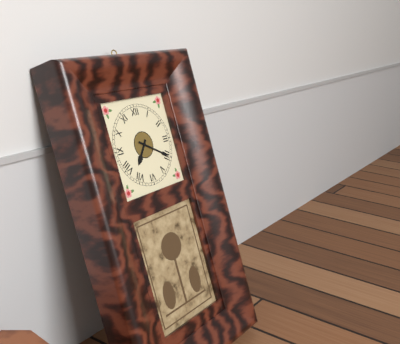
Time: 7h20
